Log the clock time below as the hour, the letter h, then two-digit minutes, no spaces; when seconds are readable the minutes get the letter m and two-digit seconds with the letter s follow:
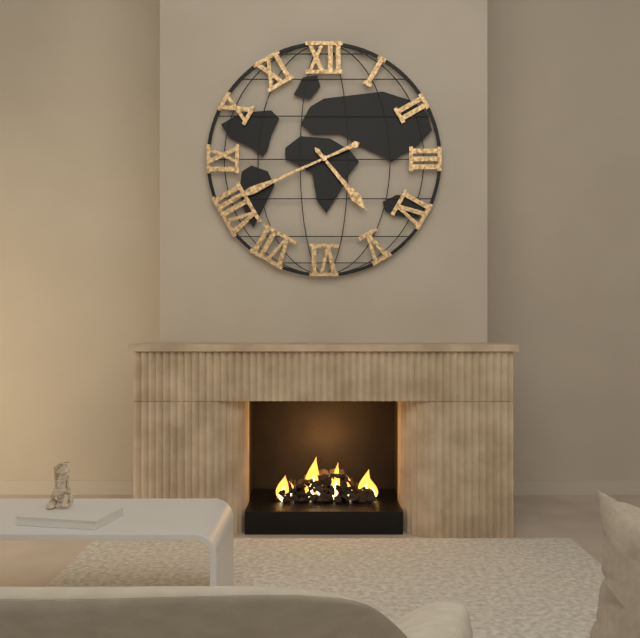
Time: 4h41
